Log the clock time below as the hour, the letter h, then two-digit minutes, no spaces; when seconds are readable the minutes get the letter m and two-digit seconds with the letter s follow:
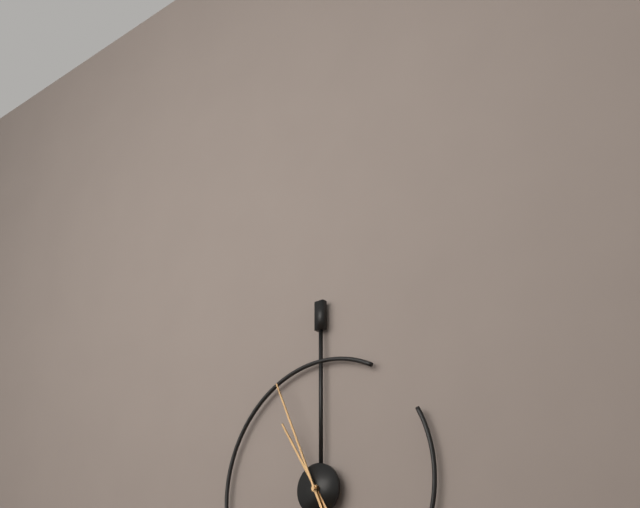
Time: 10h56
